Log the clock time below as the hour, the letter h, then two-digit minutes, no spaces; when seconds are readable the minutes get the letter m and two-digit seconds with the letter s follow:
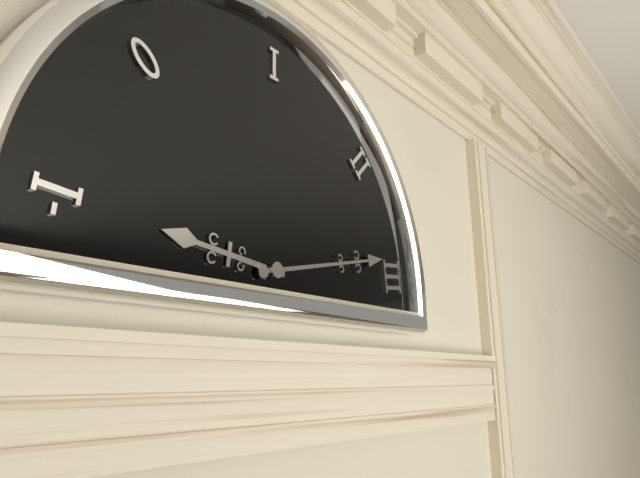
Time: 9h13
